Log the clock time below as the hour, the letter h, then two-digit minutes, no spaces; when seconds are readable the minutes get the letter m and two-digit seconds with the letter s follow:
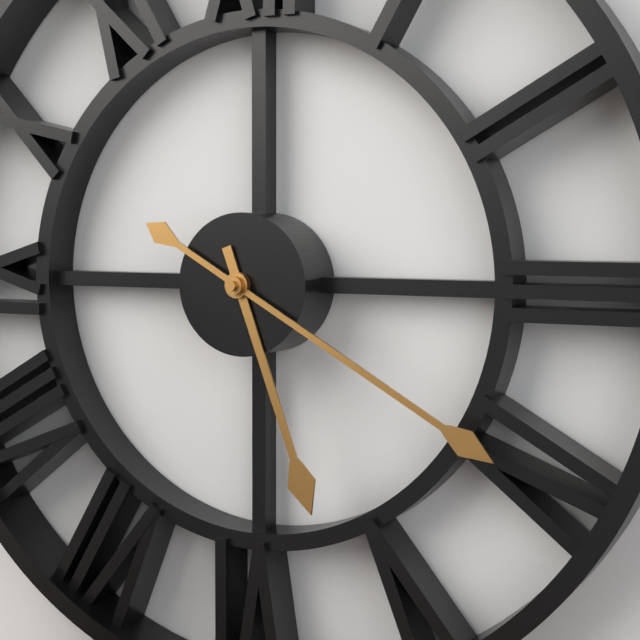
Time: 5h20
